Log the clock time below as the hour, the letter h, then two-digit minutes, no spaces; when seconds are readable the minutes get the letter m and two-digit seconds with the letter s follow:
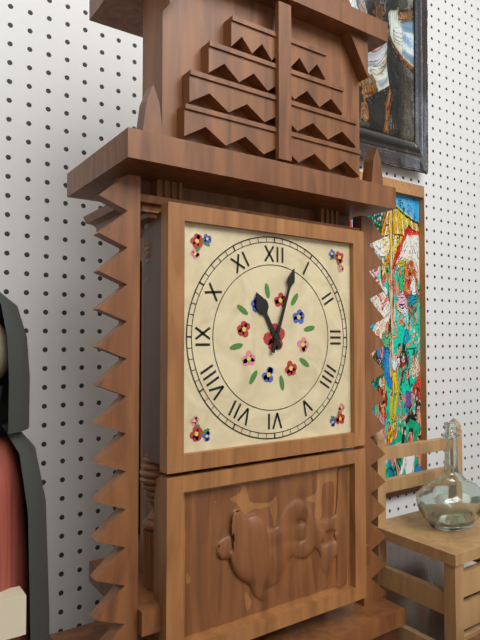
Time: 11h03
